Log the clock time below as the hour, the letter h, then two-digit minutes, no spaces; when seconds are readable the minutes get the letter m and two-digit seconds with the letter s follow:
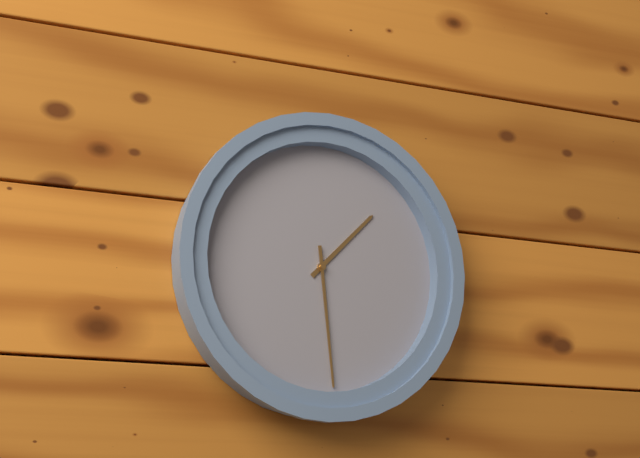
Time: 1h29
